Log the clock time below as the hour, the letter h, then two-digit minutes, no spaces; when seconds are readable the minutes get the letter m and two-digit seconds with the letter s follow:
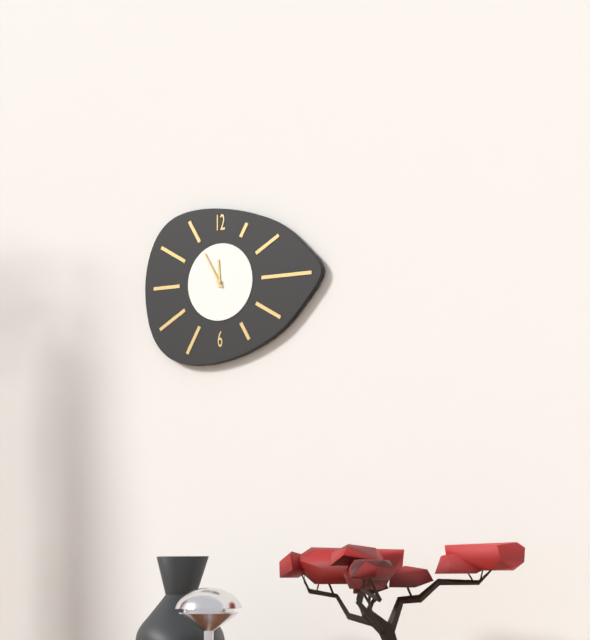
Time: 11h55
